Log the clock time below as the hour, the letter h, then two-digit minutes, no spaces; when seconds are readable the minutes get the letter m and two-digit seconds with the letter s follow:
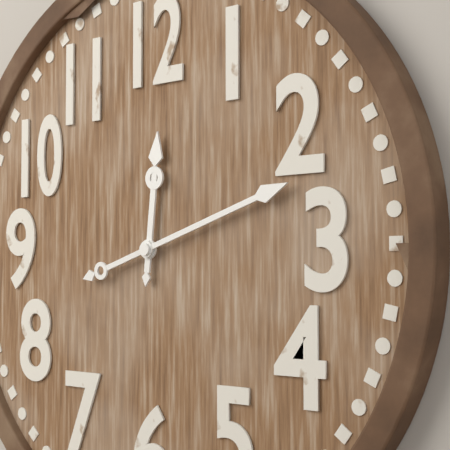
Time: 12h12
